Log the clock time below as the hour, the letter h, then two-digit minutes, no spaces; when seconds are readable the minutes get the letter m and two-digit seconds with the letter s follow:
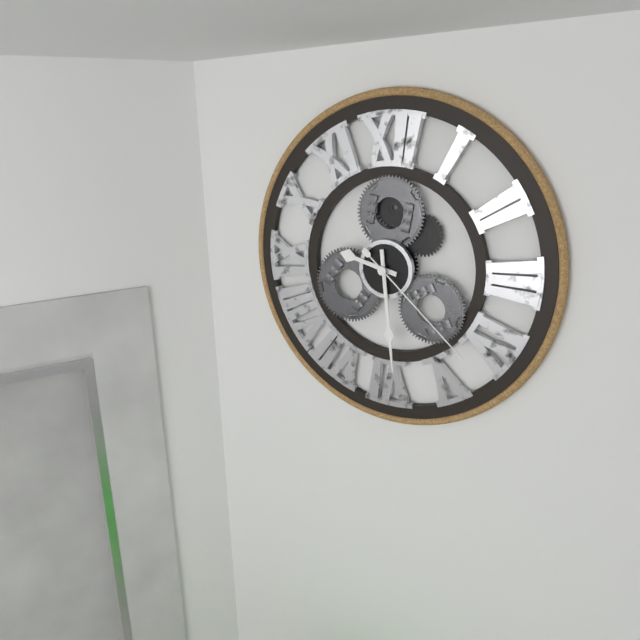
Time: 9h29m22s
